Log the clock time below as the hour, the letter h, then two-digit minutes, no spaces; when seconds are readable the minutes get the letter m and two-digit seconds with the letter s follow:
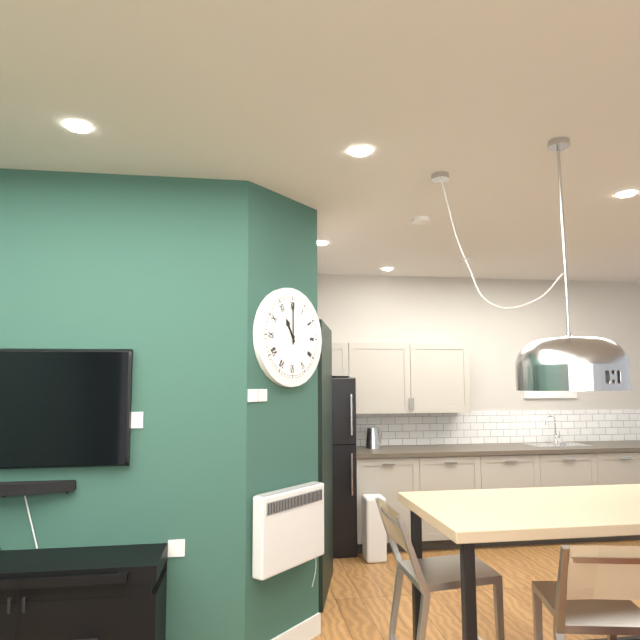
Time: 11h00
